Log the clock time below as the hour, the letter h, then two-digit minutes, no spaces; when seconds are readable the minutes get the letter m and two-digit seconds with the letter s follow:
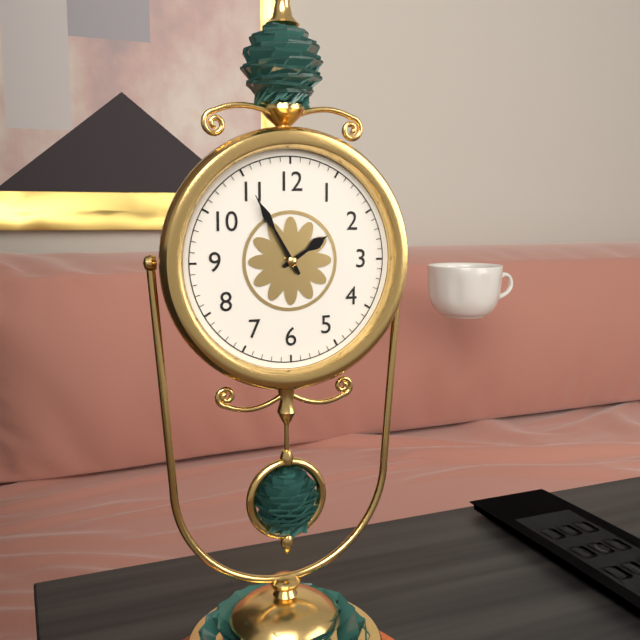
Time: 1h55
